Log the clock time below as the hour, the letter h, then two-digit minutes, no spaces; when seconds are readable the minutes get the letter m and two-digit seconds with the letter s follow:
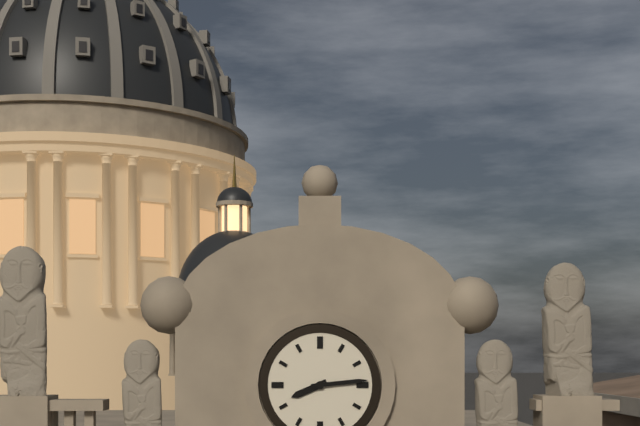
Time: 8h14
